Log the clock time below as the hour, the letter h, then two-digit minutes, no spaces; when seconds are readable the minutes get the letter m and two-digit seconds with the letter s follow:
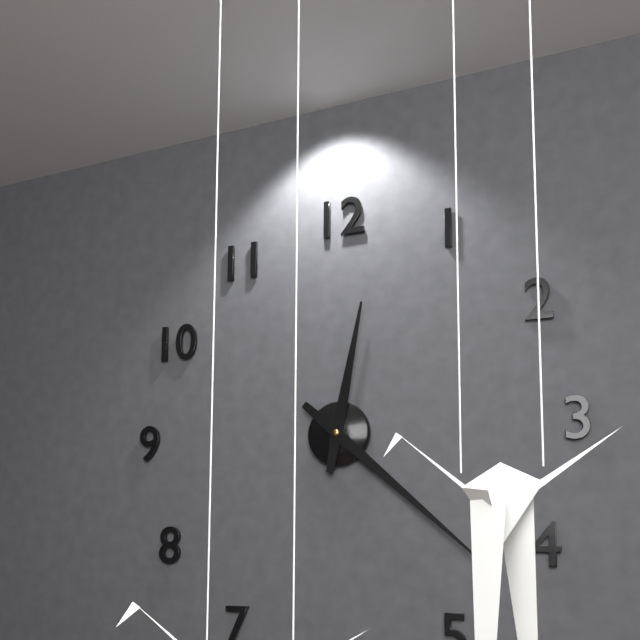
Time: 12h22
